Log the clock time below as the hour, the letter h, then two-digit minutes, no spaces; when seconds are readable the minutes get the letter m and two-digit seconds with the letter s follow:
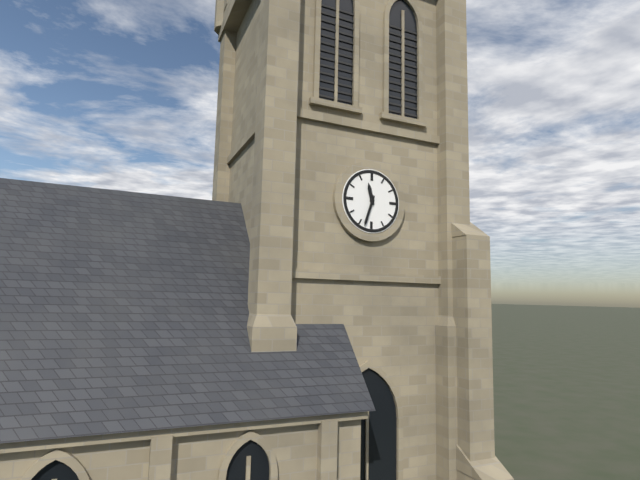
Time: 11h33
